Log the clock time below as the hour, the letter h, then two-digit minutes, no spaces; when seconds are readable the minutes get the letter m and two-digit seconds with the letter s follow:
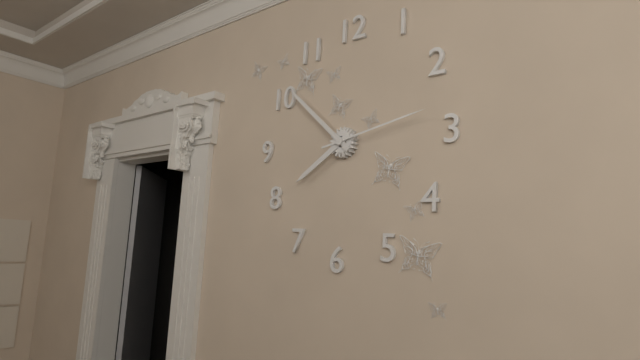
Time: 7h52m13s
